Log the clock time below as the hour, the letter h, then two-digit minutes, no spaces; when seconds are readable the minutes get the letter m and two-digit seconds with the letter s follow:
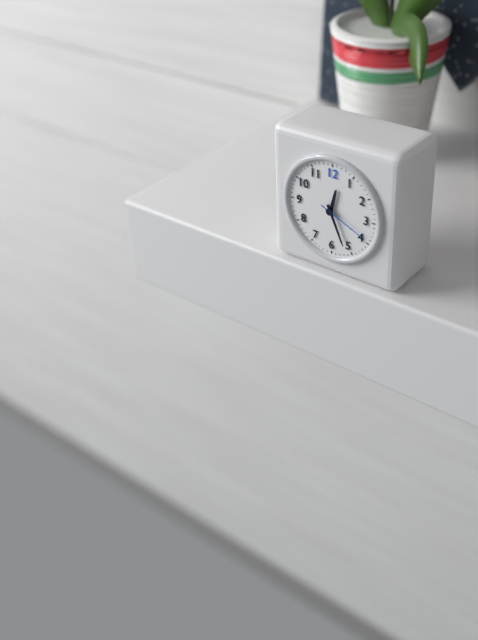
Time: 12h26m19s
